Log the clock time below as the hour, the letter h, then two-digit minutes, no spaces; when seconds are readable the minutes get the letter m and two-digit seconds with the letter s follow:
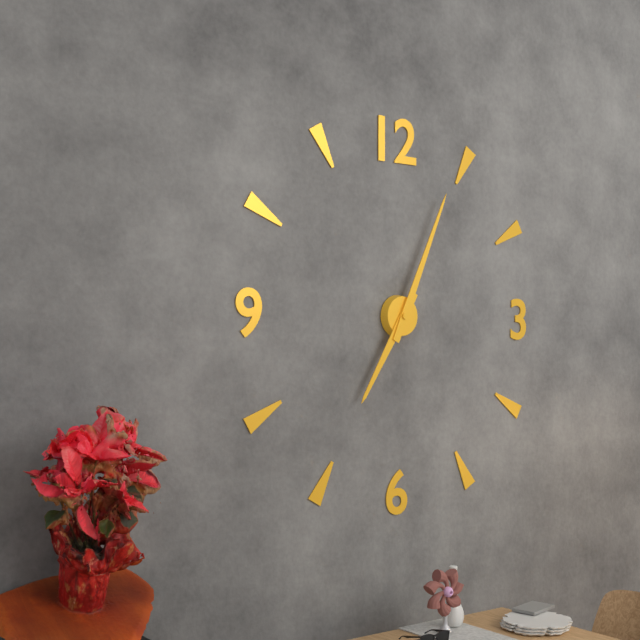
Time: 7h04
